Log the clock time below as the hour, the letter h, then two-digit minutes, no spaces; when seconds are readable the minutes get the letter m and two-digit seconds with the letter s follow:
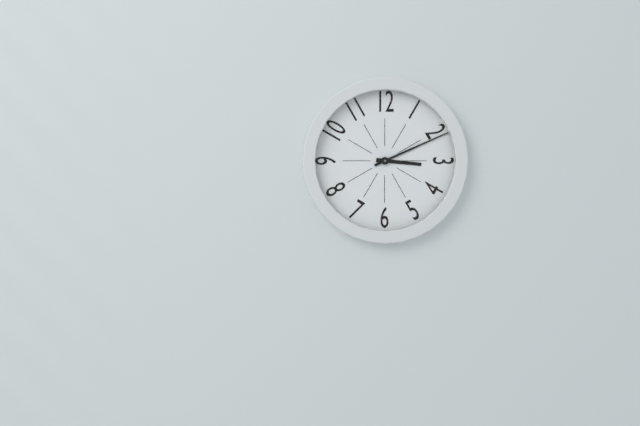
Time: 3h11
